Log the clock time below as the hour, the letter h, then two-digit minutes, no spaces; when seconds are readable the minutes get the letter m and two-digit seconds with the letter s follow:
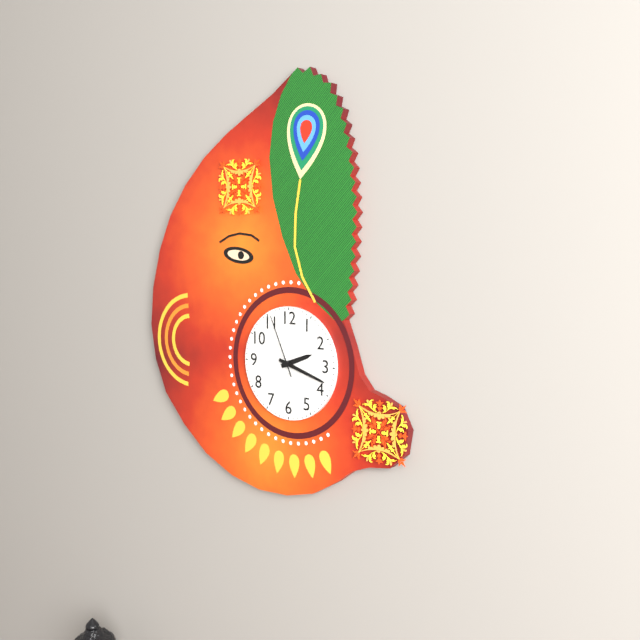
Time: 2h18m56s
